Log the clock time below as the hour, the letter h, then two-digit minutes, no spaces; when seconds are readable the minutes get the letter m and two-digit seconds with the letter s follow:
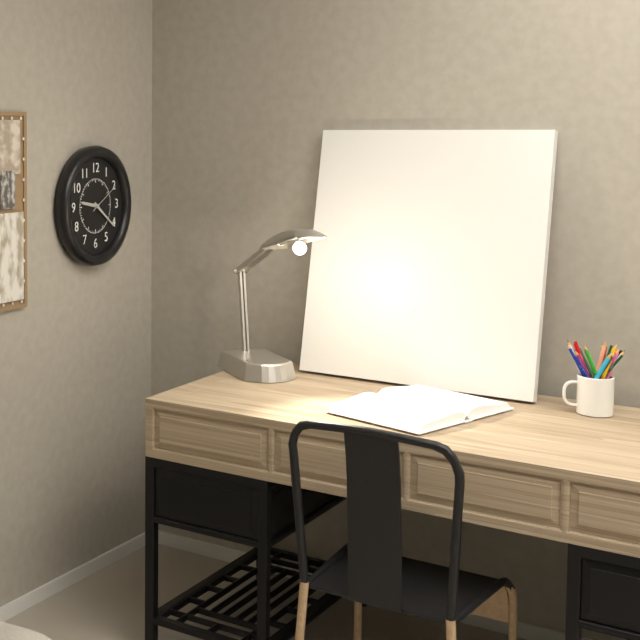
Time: 9h21
